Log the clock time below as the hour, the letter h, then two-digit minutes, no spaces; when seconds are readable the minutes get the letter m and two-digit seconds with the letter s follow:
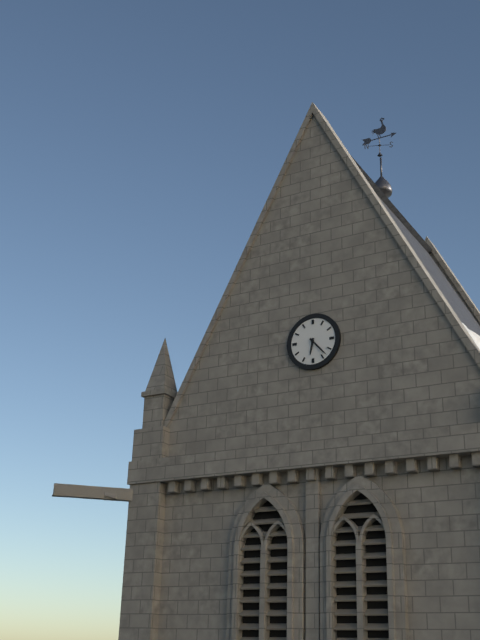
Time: 6h23
